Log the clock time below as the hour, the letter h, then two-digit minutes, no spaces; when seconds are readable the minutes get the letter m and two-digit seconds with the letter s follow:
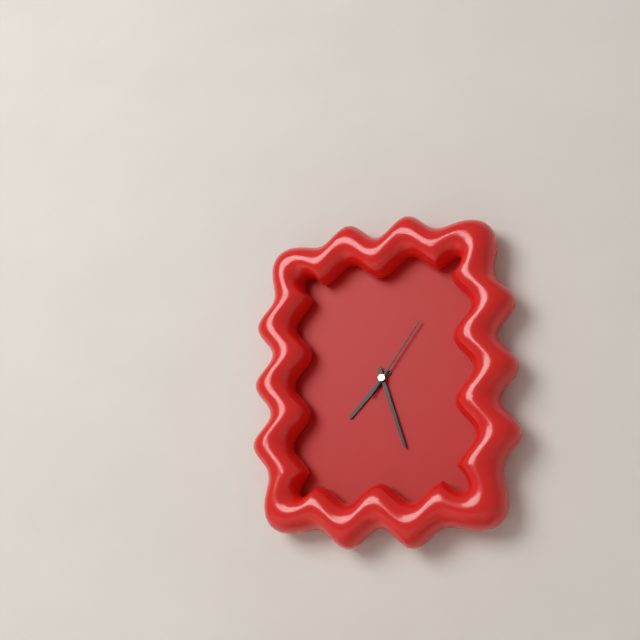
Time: 7h27m06s
